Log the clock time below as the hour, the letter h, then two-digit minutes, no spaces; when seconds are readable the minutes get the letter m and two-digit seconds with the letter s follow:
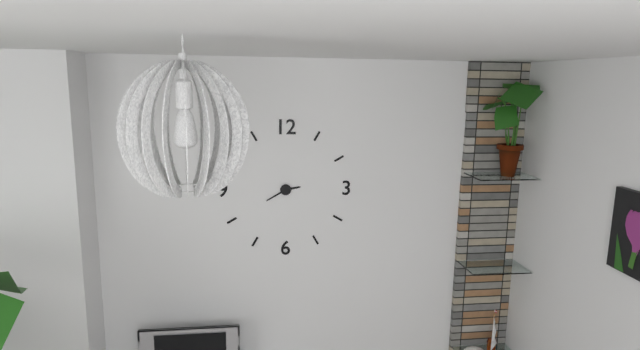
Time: 2h40
